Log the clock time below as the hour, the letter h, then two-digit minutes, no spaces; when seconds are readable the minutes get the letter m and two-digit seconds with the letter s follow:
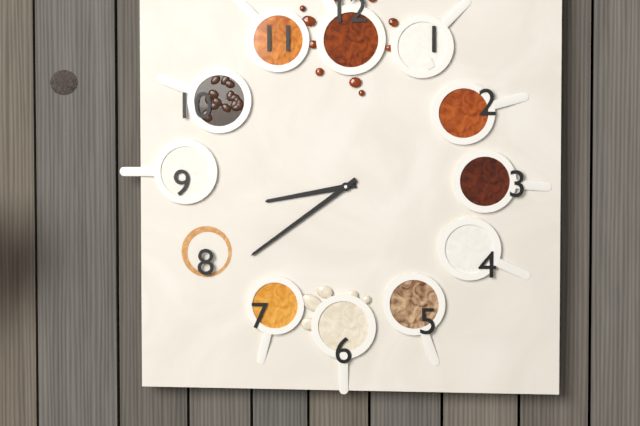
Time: 8h39
